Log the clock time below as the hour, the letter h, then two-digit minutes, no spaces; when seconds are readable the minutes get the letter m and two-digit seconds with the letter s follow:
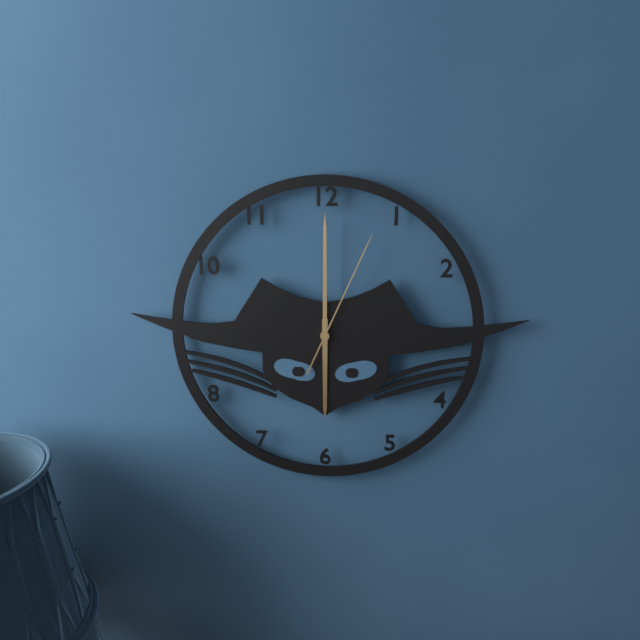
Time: 6h00m04s
